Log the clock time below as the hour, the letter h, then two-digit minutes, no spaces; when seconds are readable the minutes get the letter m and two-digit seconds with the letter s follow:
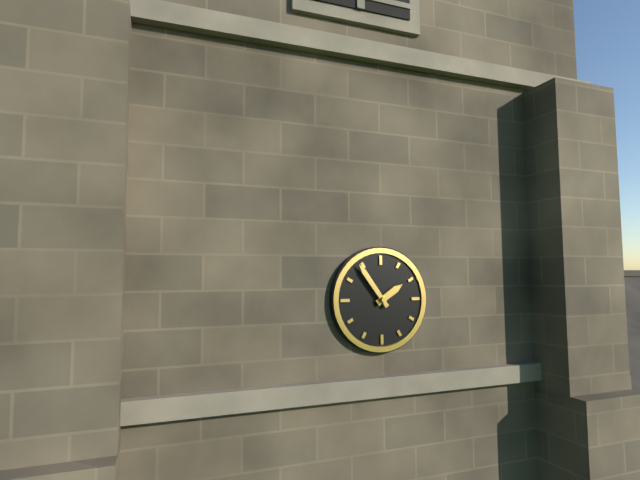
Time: 1h54
